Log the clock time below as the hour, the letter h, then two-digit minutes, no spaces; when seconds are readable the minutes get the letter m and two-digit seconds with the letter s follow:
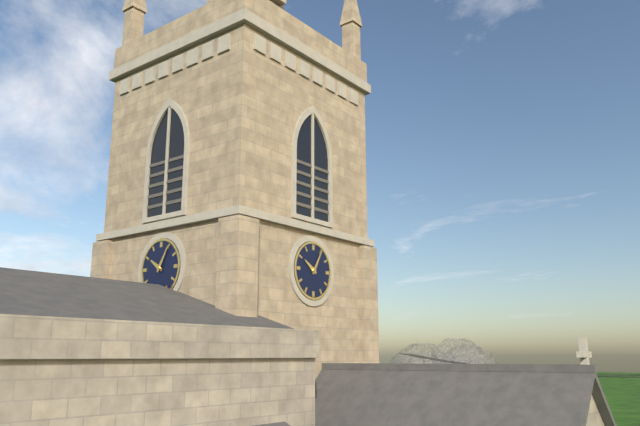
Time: 10h05
